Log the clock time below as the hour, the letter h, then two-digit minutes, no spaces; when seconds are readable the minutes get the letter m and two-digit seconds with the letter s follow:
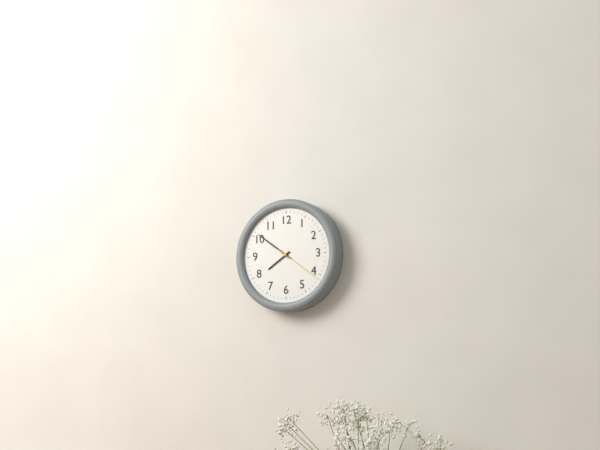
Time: 7h51
